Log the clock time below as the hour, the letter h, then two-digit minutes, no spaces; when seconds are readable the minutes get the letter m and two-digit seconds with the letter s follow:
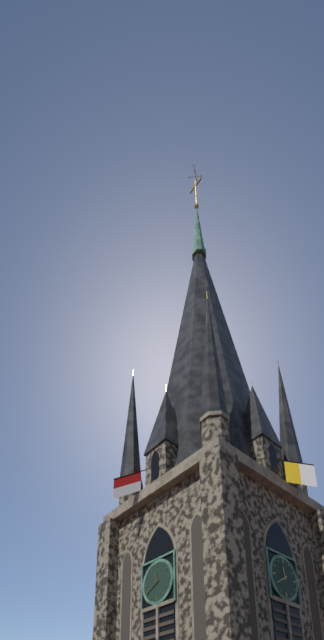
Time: 11h40
